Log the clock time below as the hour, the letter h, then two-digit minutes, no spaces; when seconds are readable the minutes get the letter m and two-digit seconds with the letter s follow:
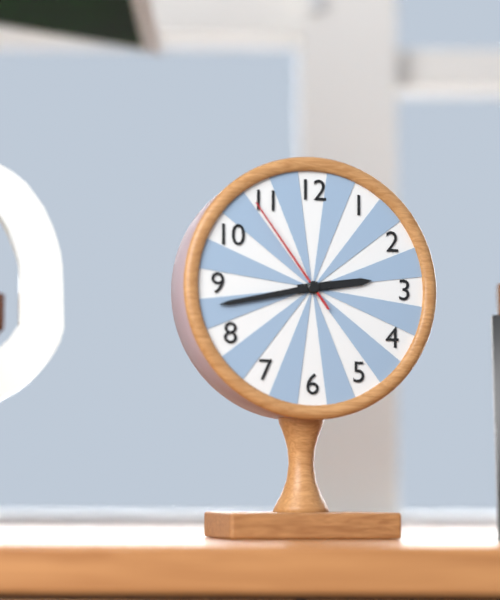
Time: 2h43m54s
